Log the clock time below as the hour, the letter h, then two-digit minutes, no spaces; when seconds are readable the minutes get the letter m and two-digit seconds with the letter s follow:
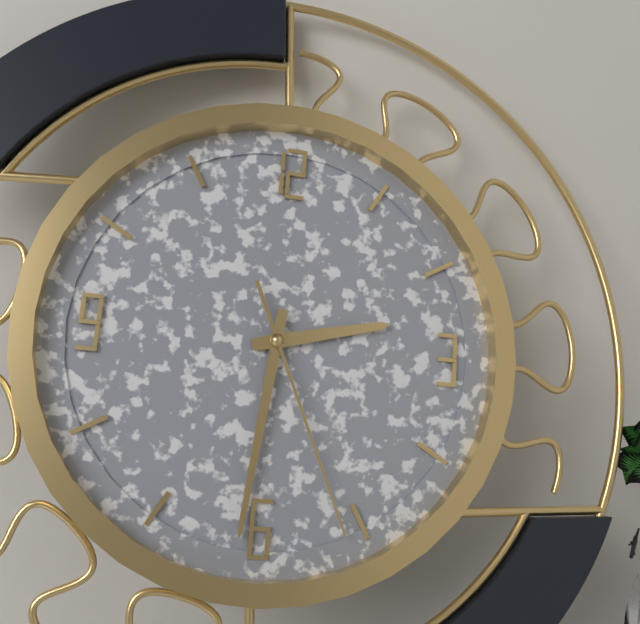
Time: 2h31m26s
